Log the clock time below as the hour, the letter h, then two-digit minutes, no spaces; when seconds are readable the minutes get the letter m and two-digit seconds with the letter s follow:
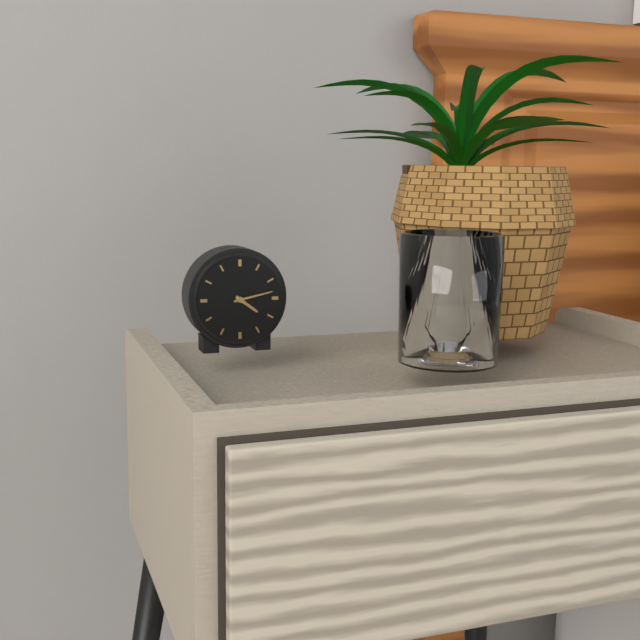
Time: 4h13
